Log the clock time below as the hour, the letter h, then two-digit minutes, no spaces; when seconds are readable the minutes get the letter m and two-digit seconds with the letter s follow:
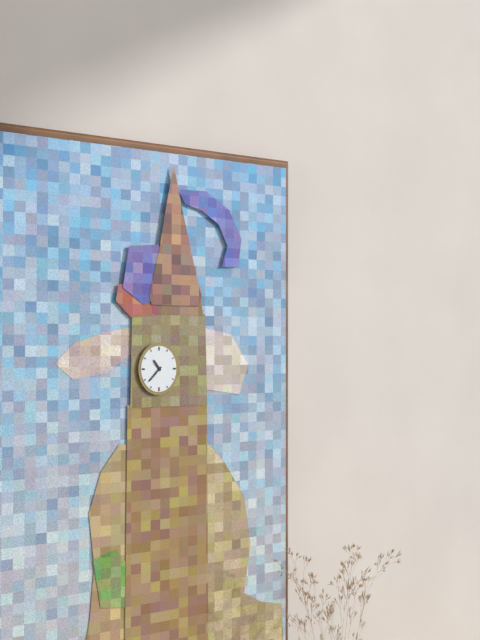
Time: 10h38
